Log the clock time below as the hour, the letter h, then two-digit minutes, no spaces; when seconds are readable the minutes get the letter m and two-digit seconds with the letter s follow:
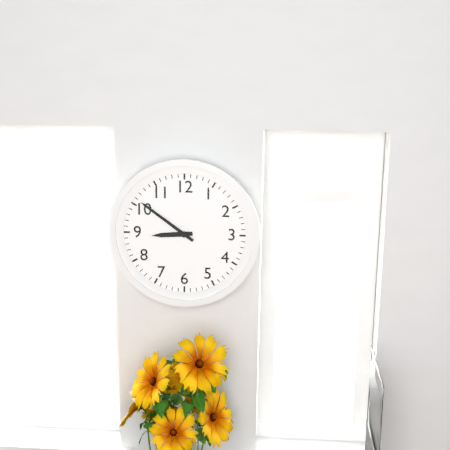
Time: 8h51
